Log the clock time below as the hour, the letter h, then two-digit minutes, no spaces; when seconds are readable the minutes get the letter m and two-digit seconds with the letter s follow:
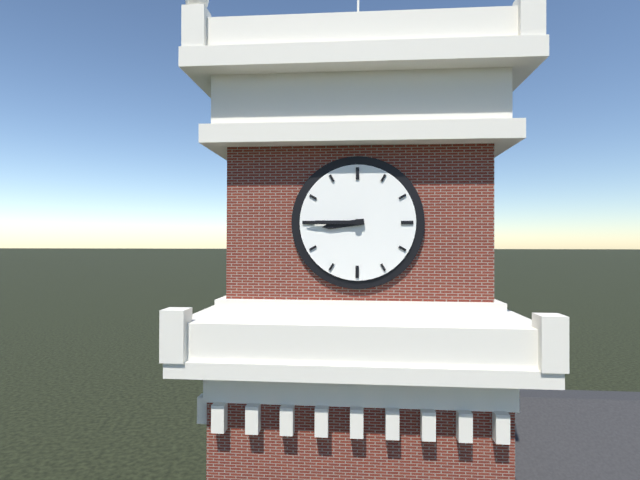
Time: 8h45
